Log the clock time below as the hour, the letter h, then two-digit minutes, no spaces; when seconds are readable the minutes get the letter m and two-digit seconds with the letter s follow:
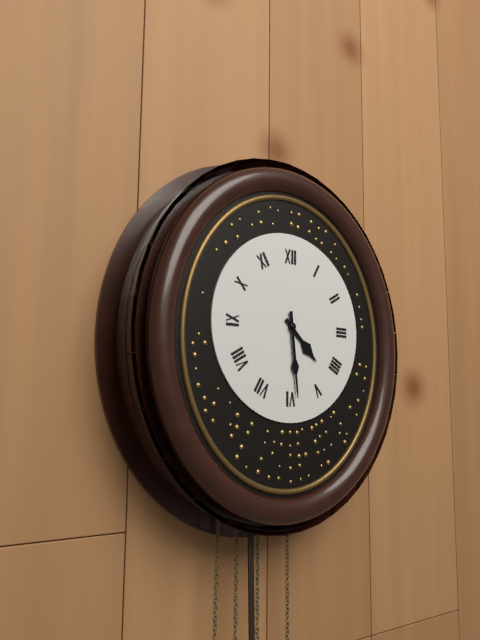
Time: 4h29
